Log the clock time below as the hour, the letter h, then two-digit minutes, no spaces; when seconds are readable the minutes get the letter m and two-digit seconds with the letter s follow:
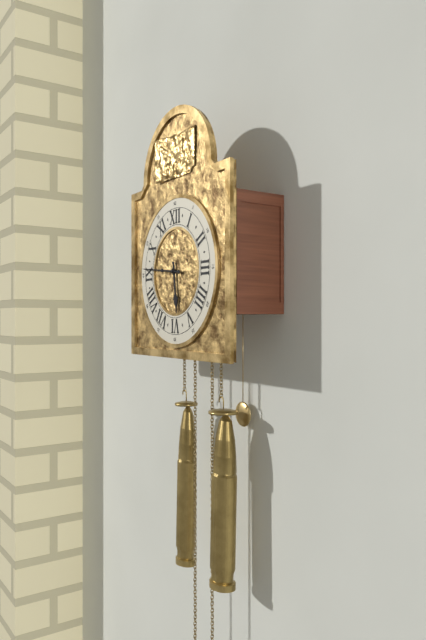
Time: 5h46
